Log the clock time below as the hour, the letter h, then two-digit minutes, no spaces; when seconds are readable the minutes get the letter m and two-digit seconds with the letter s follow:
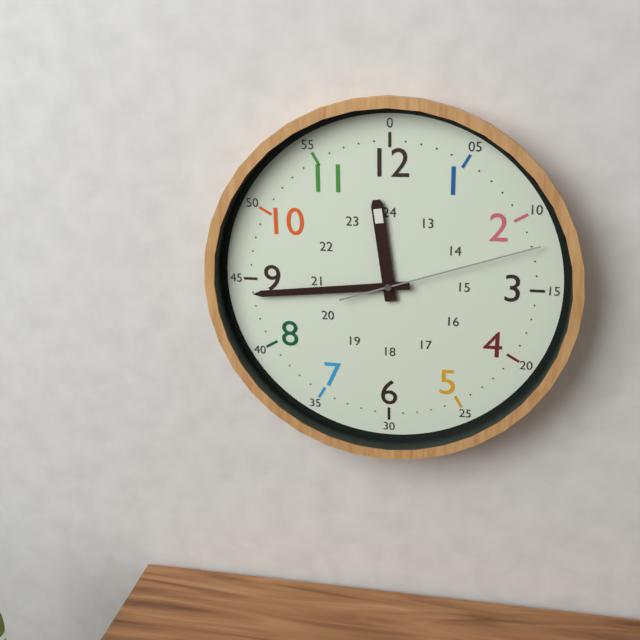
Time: 11h44m12s
